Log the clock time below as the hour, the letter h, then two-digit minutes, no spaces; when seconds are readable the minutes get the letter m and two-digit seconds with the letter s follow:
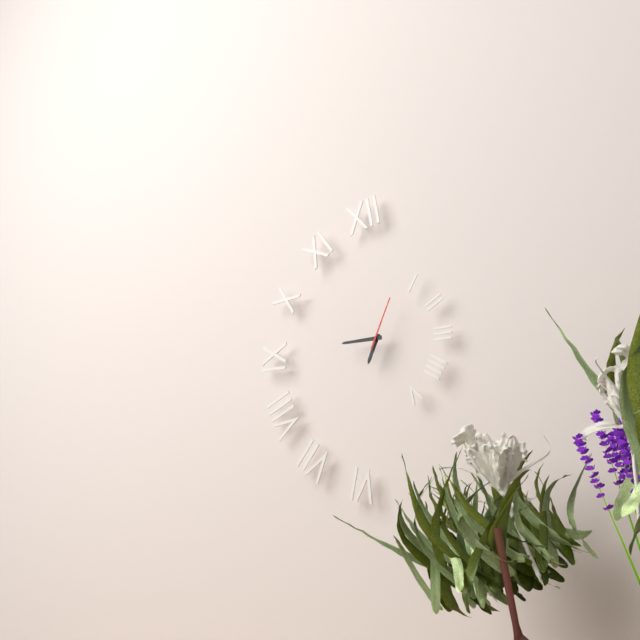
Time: 6h45m04s
